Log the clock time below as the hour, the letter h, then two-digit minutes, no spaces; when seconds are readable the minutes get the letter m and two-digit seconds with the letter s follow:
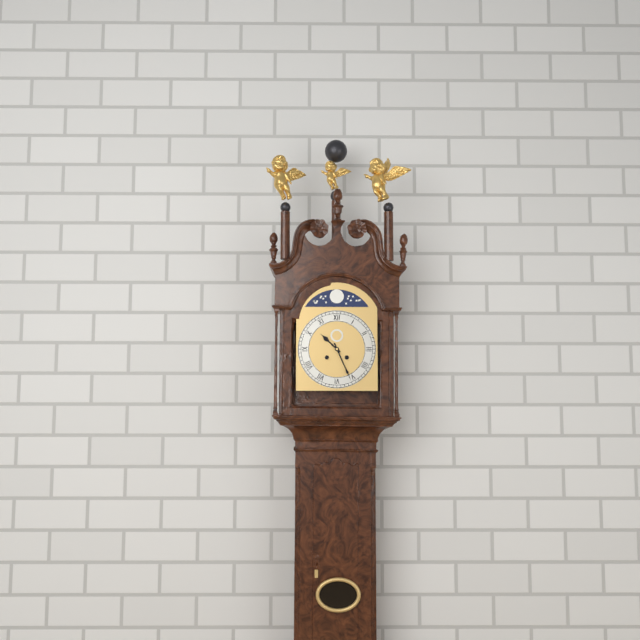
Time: 10h26
